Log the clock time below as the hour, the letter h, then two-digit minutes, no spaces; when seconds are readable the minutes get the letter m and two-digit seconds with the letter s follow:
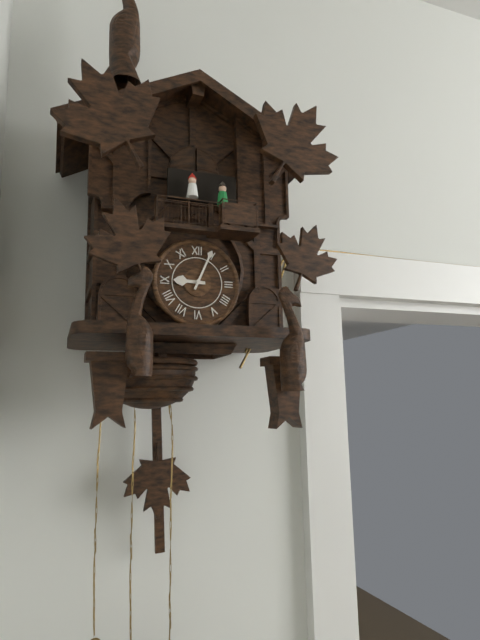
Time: 9h04
